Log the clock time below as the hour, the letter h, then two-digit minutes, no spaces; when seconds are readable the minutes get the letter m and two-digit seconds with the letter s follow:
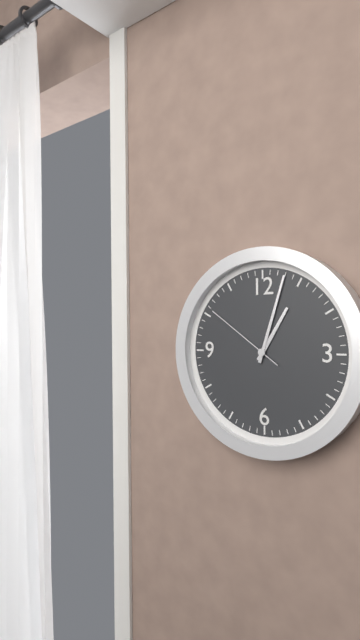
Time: 1h03m51s
